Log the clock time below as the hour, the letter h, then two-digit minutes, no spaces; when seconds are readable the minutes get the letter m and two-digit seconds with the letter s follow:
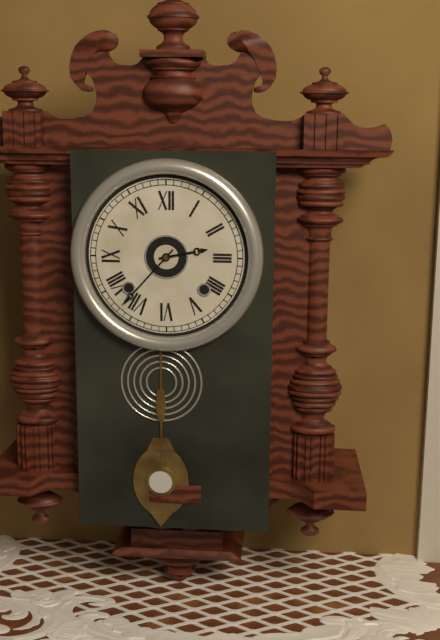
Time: 2h37
